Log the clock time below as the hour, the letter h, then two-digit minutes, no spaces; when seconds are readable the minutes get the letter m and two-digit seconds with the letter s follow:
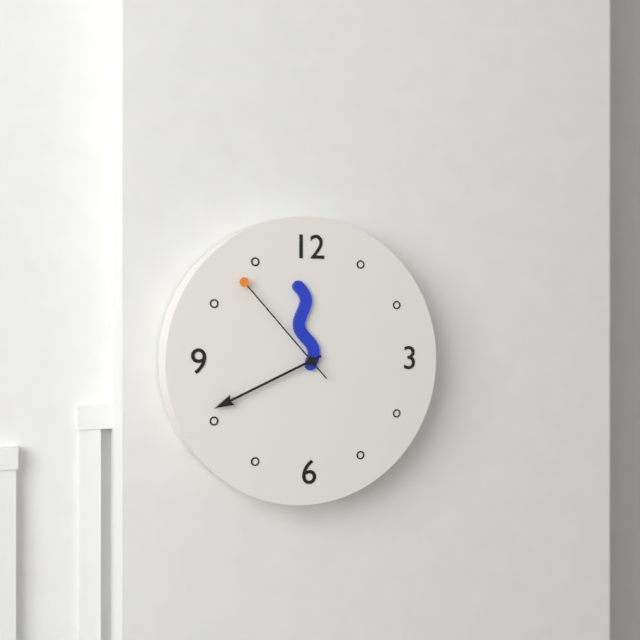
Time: 11h41m53s
